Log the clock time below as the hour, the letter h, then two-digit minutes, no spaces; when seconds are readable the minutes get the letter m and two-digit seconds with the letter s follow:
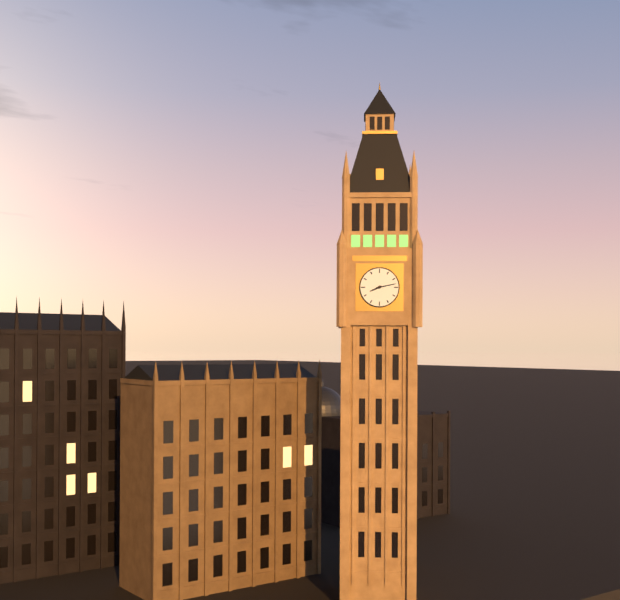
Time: 8h13
